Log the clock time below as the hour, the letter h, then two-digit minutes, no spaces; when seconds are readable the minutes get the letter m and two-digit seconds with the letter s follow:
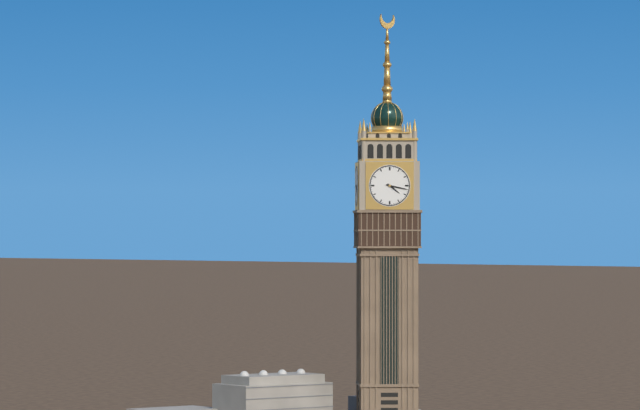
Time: 4h17
